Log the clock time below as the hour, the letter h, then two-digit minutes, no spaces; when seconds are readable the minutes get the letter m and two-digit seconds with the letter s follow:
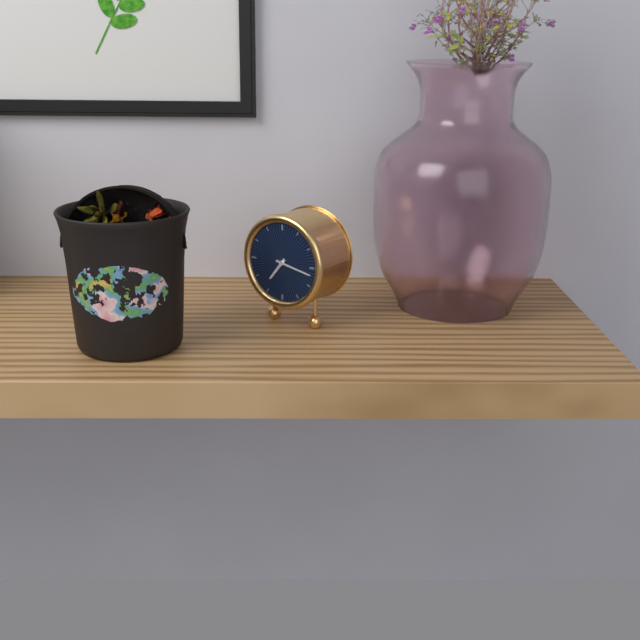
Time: 7h17
